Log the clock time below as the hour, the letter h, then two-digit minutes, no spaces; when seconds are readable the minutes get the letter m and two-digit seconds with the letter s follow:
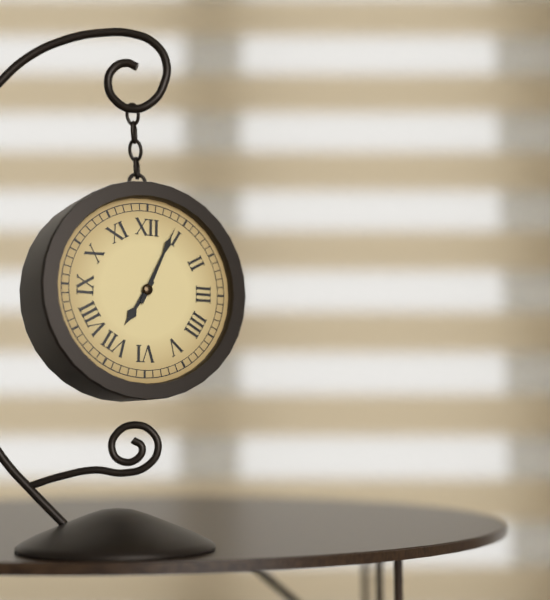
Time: 7h04
